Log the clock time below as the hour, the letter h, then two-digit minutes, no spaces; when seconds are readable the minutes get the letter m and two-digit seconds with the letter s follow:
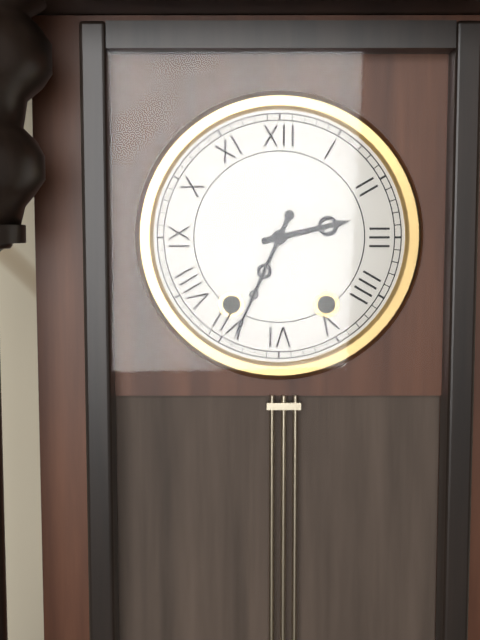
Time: 2h34
